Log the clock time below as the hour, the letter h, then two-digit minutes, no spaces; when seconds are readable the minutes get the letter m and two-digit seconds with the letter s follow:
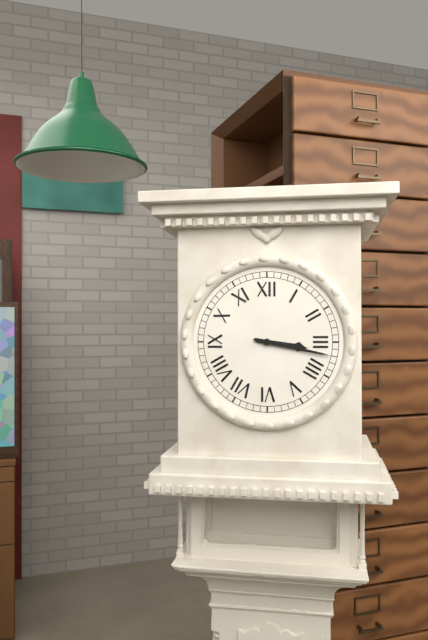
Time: 3h17
